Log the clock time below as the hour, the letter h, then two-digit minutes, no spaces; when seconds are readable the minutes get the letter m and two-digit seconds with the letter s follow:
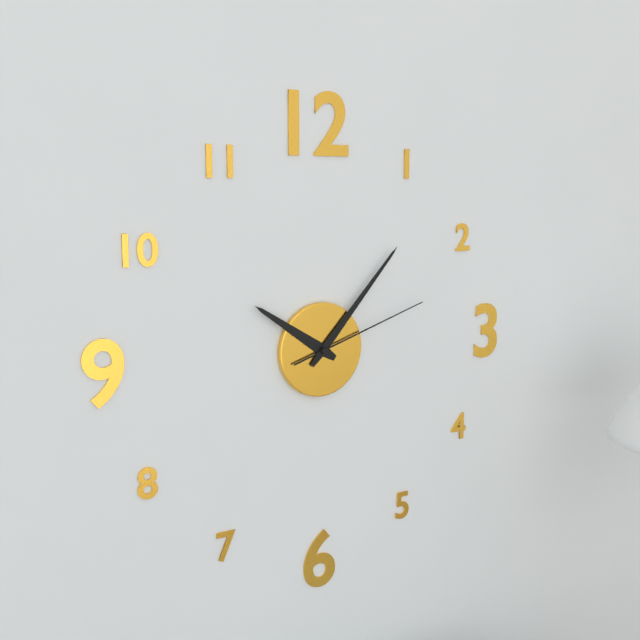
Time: 10h07m12s
